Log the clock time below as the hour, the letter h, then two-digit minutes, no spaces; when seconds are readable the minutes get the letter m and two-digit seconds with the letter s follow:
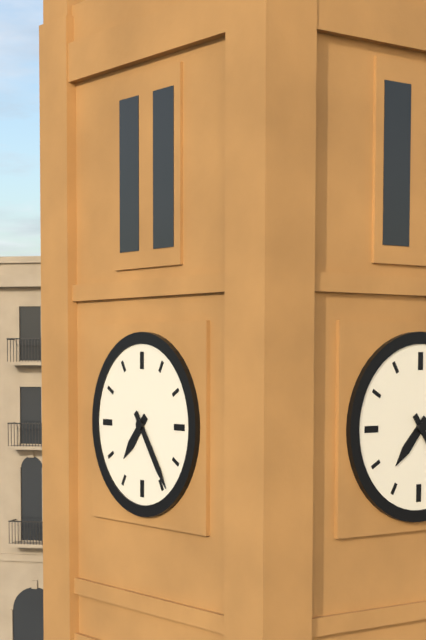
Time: 7h24
